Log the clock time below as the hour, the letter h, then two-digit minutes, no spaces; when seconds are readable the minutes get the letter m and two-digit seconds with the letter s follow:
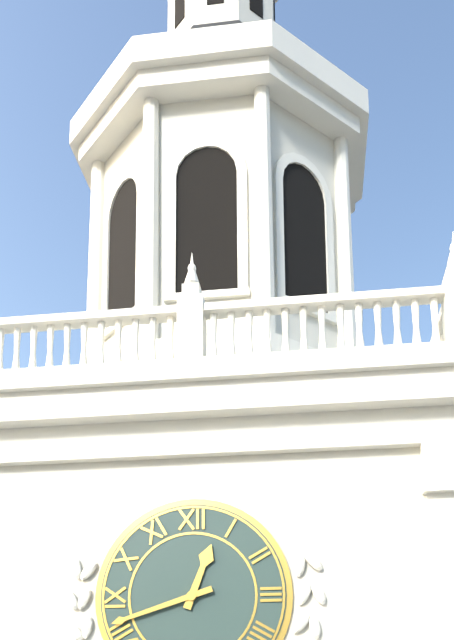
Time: 12h42
